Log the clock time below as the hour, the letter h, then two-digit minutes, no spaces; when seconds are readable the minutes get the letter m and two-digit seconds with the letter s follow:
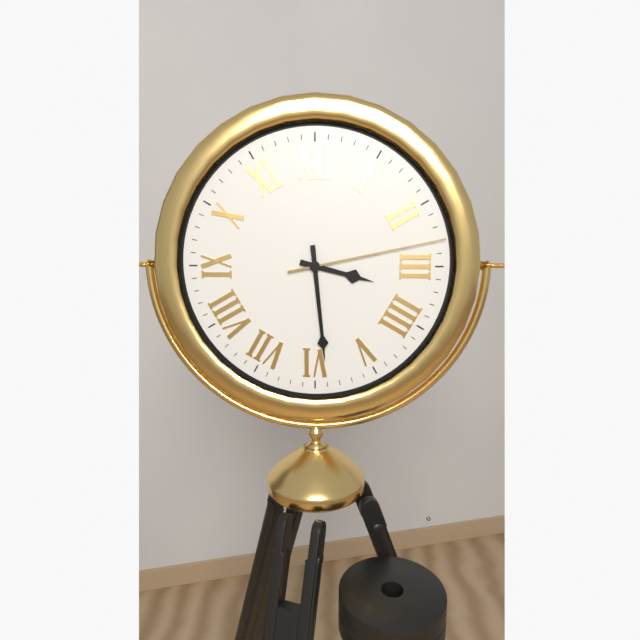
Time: 3h29m13s
